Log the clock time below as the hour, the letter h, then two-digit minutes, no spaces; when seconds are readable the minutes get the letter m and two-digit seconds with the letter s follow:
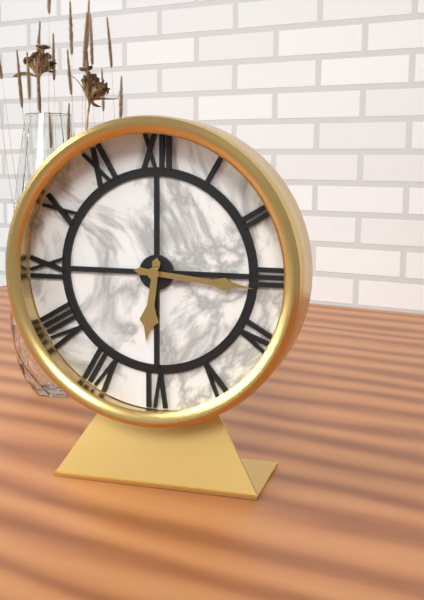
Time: 6h16
